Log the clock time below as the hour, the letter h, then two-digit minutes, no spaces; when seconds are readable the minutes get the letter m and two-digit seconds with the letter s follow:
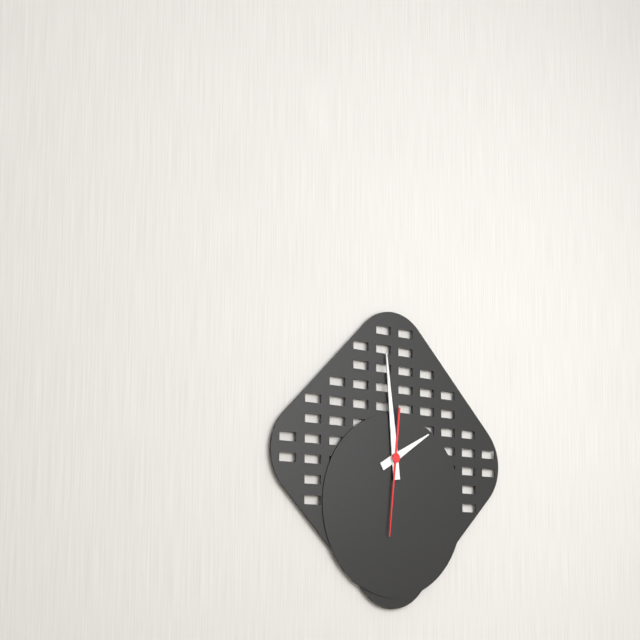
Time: 1h59m31s
